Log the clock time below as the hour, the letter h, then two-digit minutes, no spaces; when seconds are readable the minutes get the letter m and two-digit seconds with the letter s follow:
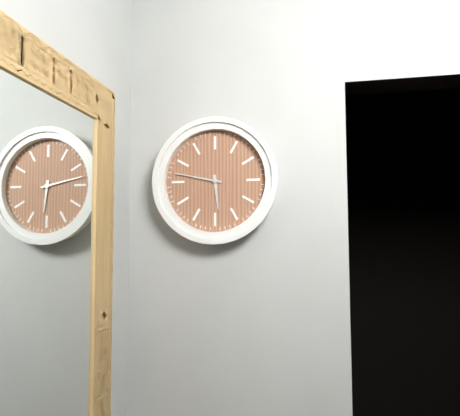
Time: 5h47
